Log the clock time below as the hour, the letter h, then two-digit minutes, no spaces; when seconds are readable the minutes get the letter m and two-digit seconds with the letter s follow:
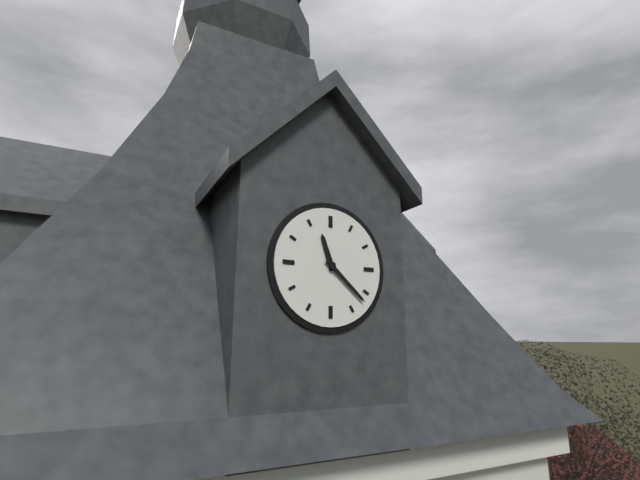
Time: 11h22
